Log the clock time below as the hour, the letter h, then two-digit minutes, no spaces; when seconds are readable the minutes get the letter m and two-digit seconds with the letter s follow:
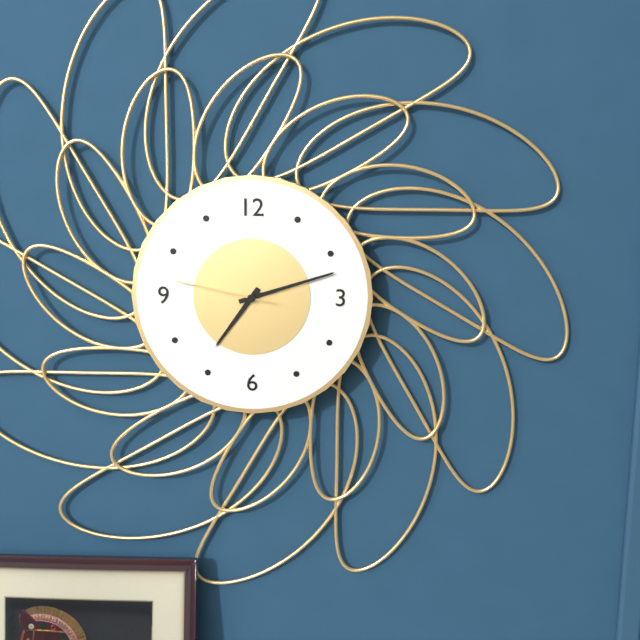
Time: 7h12m47s
